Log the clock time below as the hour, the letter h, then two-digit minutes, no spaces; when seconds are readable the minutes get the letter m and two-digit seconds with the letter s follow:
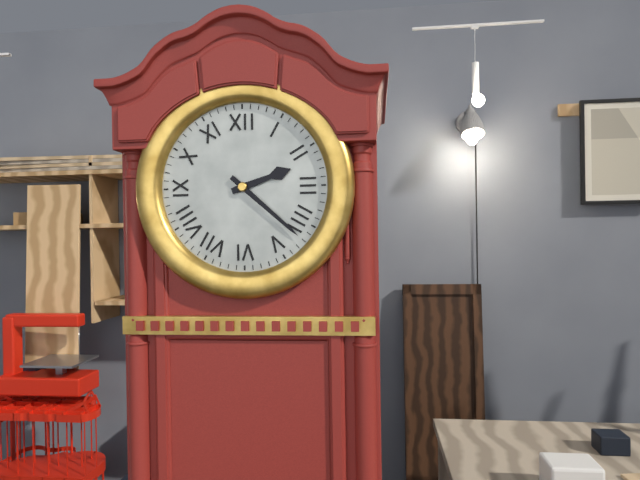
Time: 2h22
